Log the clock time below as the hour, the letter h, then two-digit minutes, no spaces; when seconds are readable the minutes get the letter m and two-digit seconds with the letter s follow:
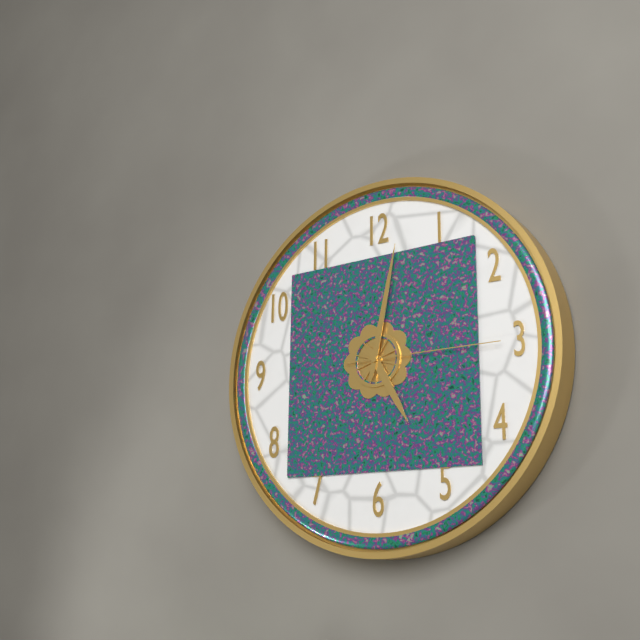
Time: 5h02m15s
